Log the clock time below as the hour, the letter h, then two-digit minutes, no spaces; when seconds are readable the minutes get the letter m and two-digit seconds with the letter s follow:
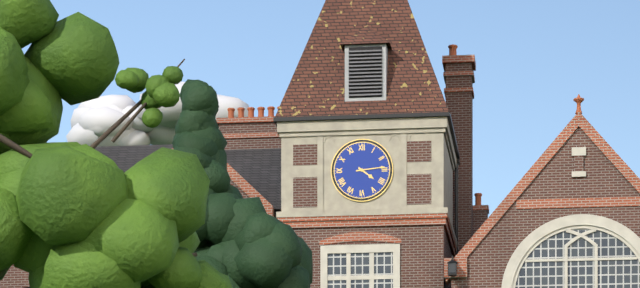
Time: 4h14
